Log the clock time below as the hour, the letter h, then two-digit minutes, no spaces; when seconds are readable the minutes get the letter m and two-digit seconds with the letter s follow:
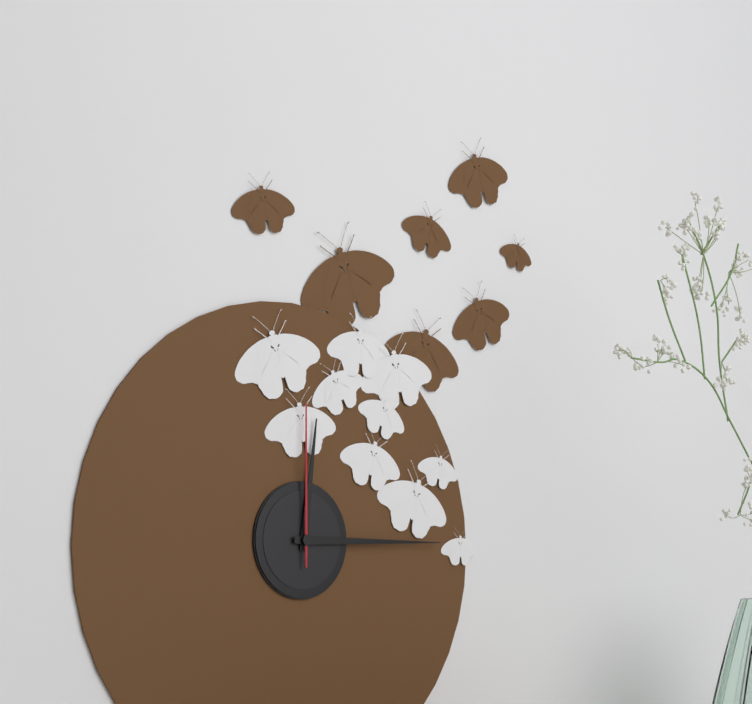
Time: 12h15m00s
